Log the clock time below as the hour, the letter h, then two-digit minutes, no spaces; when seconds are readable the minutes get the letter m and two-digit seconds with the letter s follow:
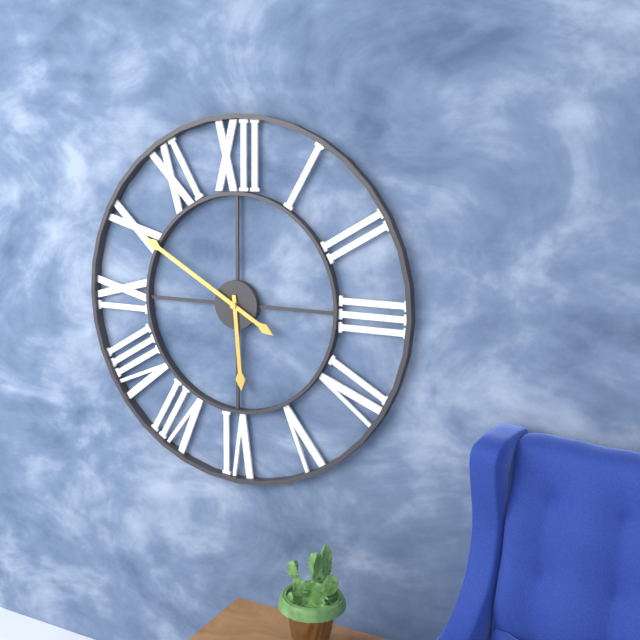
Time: 5h50
